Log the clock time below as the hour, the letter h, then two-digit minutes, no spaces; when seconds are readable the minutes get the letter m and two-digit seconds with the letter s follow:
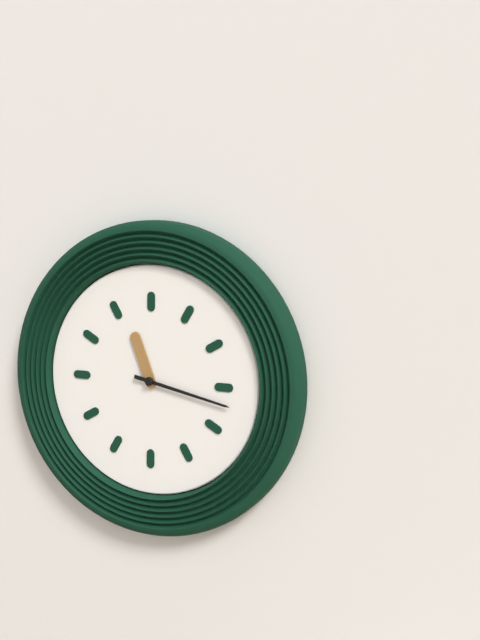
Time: 11h17
